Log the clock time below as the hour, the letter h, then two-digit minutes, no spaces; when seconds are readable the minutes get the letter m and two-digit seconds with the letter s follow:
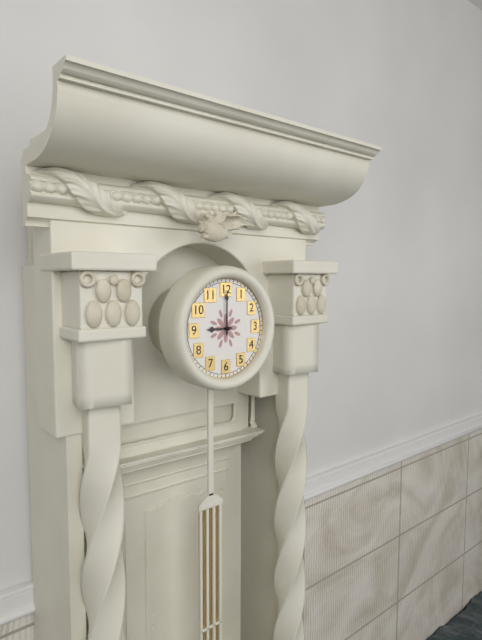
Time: 9h00
